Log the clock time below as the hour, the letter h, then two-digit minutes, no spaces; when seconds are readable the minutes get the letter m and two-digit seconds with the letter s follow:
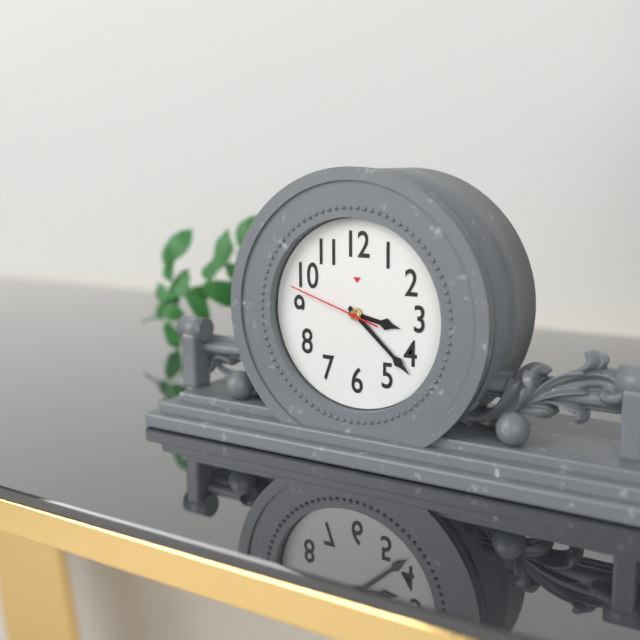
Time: 3h22m48s
